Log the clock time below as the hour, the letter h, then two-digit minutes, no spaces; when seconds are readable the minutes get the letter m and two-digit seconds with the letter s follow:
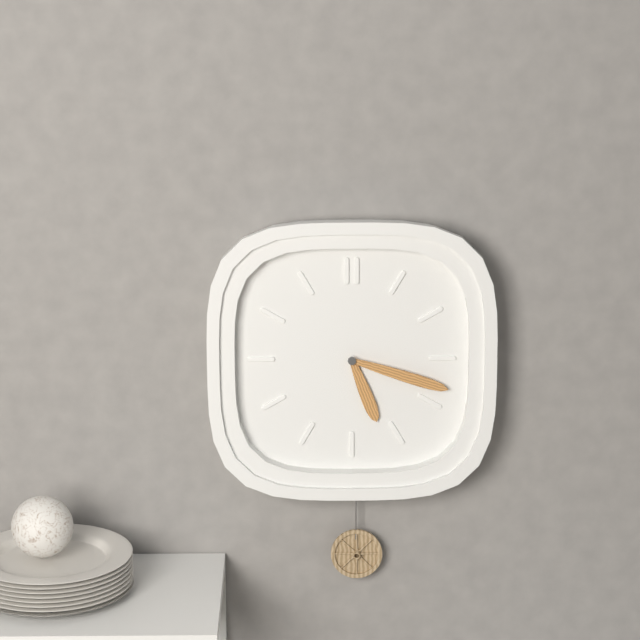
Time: 5h18
